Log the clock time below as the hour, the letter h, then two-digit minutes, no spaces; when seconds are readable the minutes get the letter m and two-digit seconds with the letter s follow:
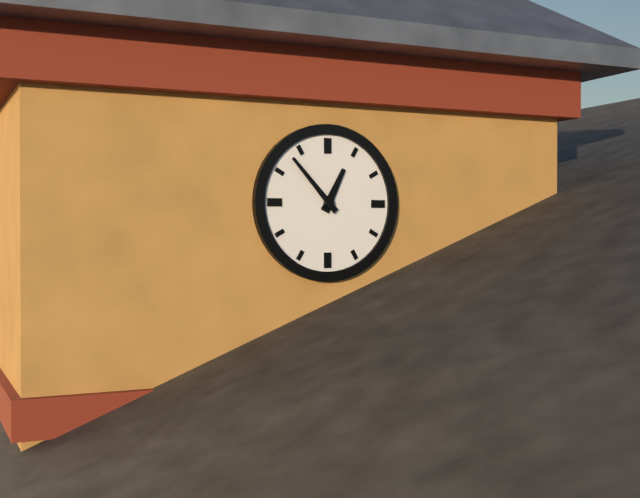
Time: 12h53
